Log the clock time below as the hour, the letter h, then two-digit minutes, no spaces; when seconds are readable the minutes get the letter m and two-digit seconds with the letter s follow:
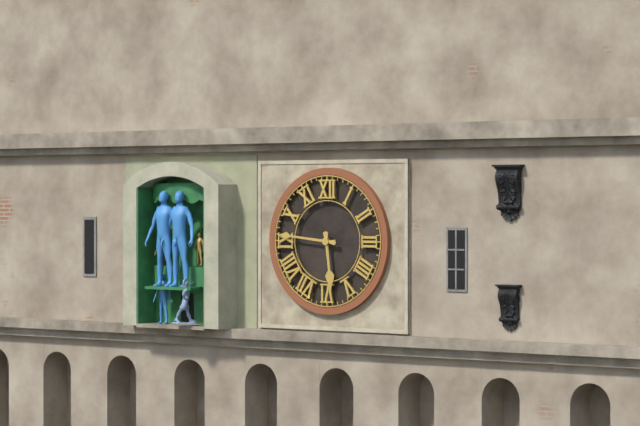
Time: 5h46
